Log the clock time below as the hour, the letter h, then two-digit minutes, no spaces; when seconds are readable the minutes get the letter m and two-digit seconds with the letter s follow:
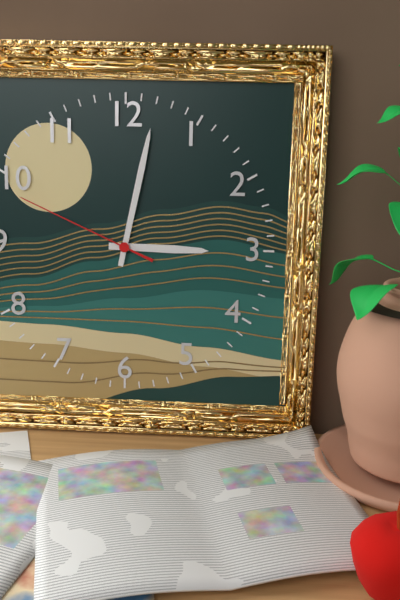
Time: 3h02m49s
